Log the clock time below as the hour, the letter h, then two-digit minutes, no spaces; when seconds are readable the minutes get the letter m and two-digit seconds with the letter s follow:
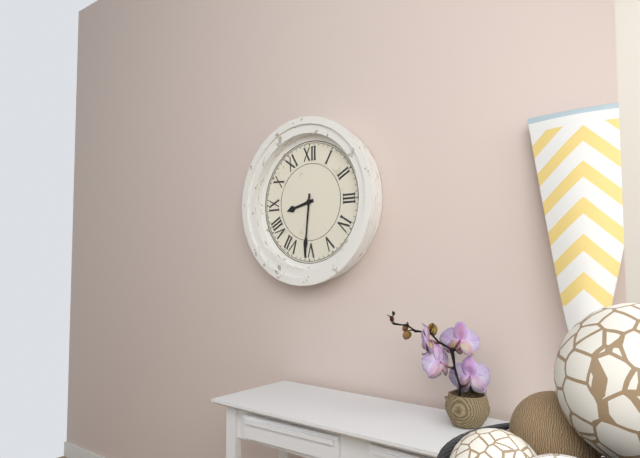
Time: 8h31
